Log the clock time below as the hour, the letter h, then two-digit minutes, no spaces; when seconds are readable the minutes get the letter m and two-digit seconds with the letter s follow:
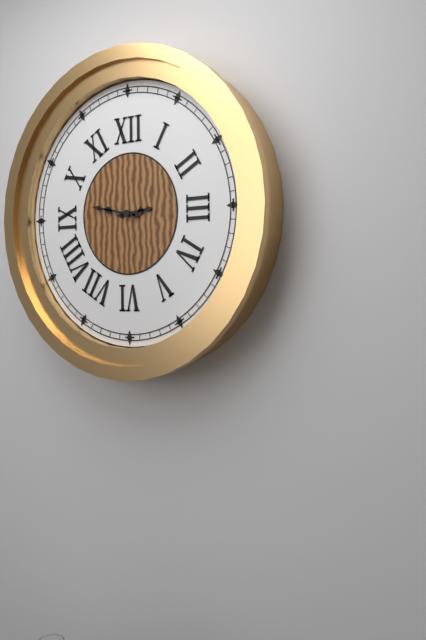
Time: 2h47
